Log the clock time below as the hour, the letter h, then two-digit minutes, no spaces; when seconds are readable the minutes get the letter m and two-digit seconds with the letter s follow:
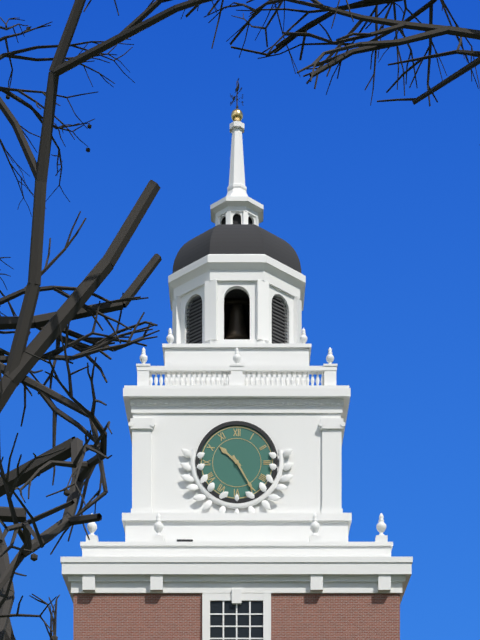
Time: 10h25
